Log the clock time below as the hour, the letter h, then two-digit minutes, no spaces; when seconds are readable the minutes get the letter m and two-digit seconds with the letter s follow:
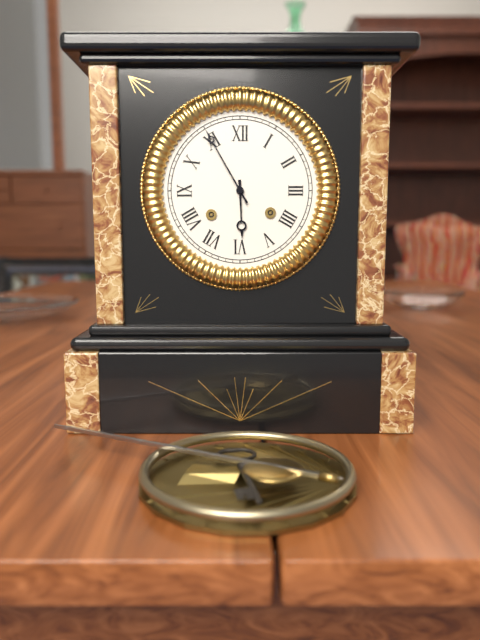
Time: 5h55
